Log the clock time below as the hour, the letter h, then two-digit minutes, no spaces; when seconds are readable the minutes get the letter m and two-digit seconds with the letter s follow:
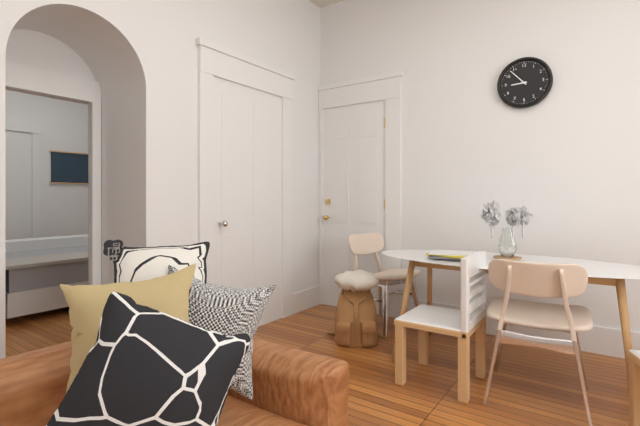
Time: 8h53
